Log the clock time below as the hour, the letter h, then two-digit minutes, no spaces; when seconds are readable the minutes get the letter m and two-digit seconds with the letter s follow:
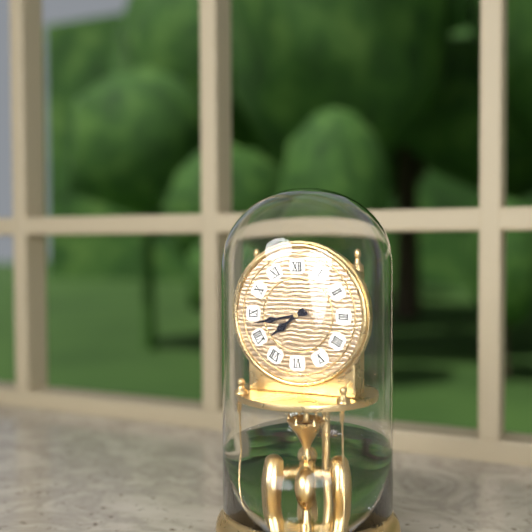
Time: 7h43
